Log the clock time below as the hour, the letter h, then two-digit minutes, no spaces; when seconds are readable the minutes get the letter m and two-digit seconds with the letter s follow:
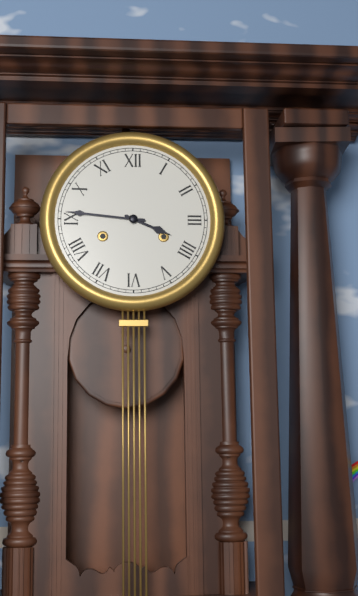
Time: 3h46
